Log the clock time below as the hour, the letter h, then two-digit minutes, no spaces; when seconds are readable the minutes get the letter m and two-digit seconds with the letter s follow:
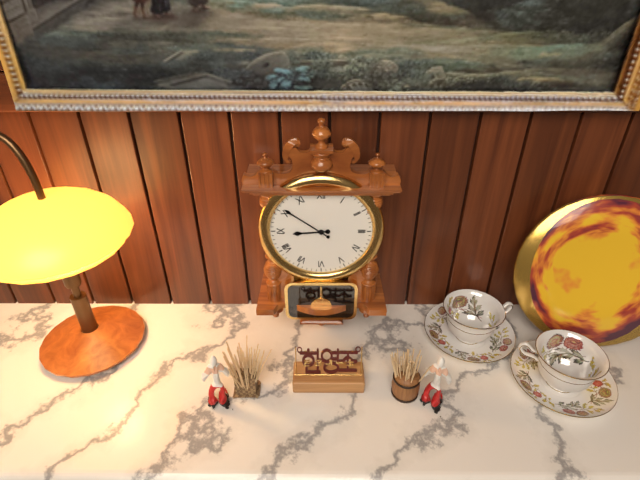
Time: 8h51
